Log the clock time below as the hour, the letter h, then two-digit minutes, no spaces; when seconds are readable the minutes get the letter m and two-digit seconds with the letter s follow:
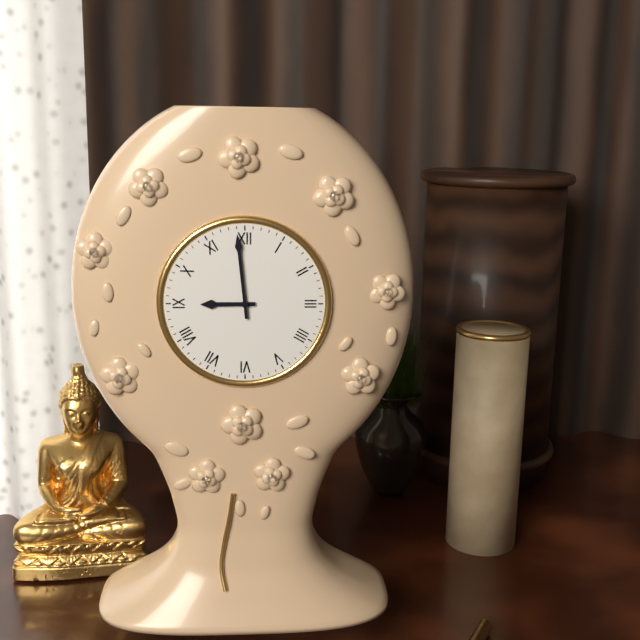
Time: 8h59
